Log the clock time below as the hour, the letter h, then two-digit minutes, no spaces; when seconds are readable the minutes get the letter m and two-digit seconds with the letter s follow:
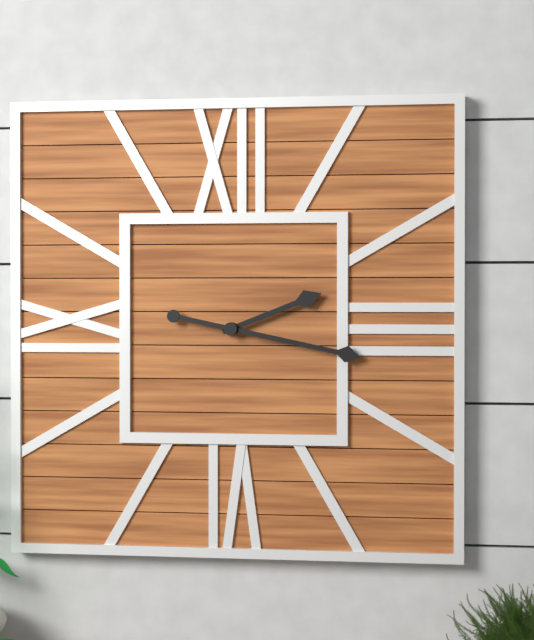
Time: 2h17
